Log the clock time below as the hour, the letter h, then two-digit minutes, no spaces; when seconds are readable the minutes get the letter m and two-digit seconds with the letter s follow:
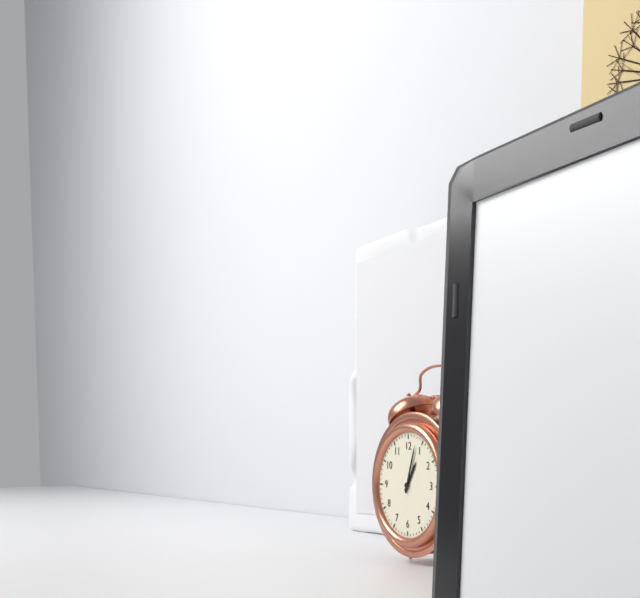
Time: 1h03
